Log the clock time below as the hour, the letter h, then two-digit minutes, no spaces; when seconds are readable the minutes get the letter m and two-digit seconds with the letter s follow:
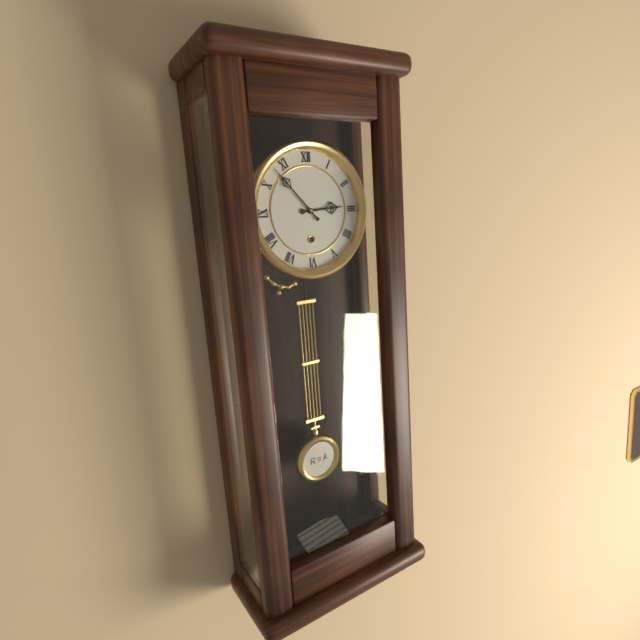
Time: 2h53
